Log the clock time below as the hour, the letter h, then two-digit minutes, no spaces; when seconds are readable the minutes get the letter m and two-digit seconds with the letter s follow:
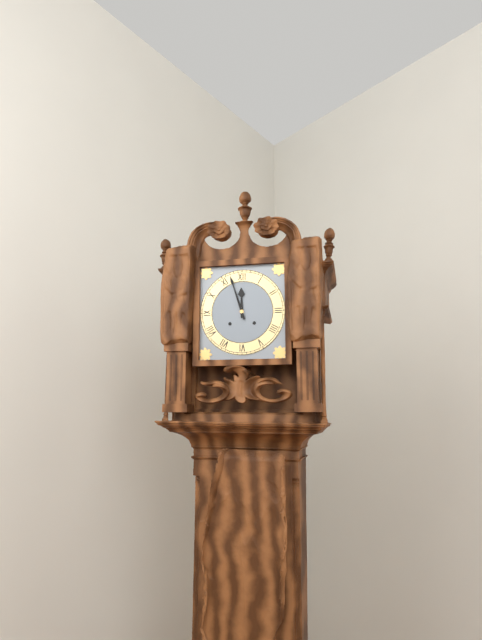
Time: 11h57
